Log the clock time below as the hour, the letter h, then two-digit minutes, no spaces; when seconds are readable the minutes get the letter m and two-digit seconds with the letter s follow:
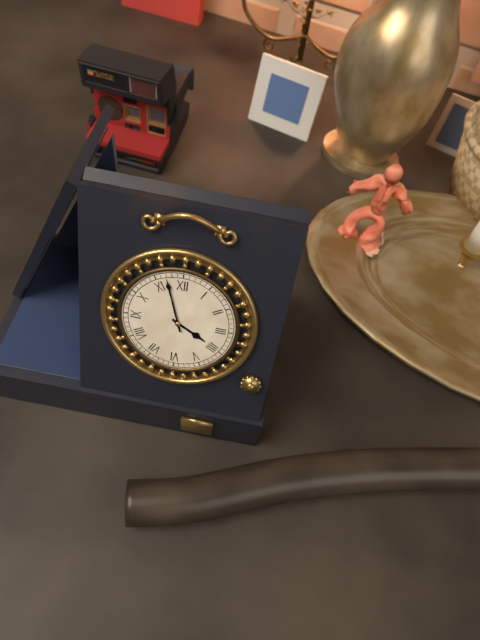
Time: 3h57
